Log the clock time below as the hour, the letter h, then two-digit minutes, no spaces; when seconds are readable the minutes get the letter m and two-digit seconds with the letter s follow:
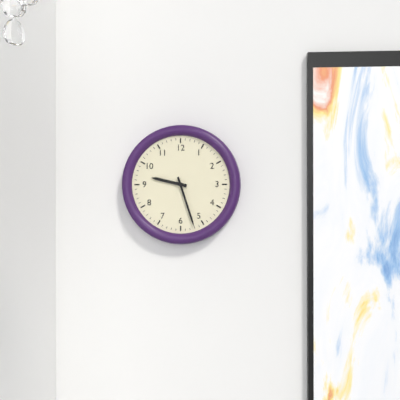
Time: 9h27
